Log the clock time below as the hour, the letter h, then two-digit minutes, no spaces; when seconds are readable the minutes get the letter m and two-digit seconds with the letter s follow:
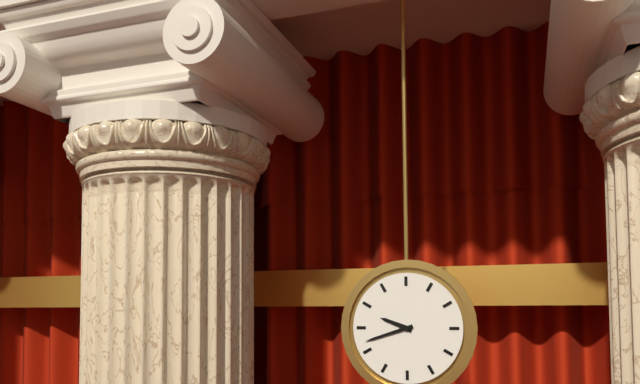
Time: 9h42
